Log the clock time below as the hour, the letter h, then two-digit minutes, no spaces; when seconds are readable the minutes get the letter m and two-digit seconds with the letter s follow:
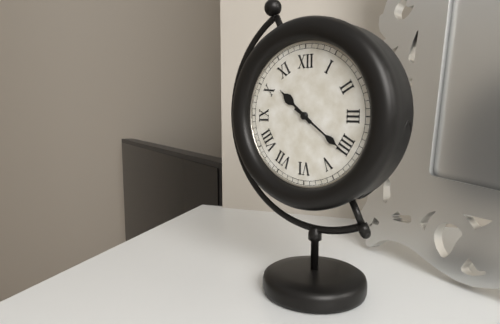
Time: 10h21
